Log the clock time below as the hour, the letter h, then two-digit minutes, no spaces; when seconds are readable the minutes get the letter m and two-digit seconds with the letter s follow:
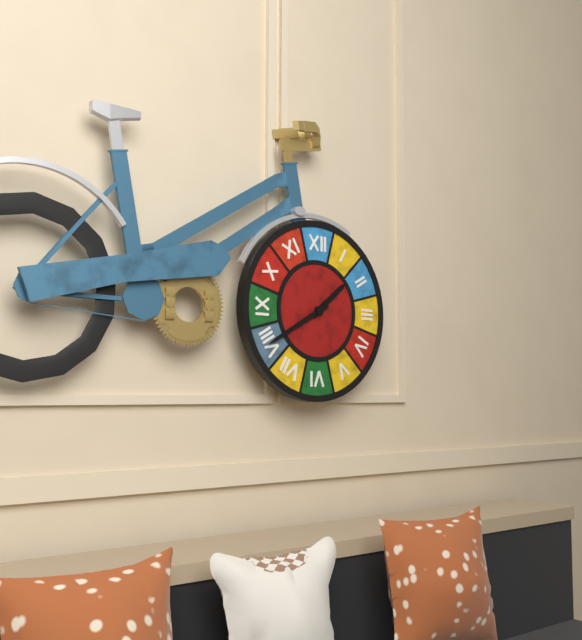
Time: 1h40
